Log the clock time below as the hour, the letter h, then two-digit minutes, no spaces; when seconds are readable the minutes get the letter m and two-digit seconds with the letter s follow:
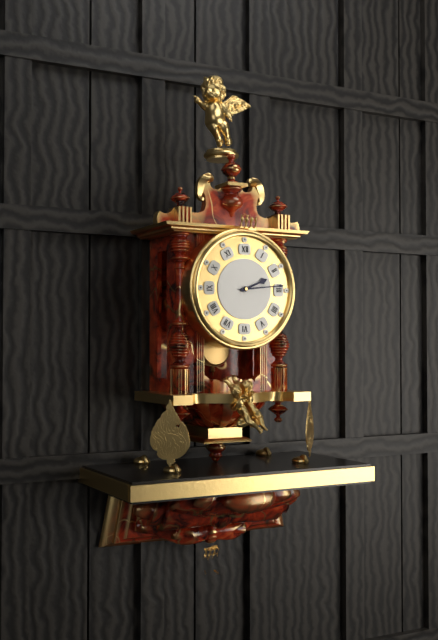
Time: 2h14
